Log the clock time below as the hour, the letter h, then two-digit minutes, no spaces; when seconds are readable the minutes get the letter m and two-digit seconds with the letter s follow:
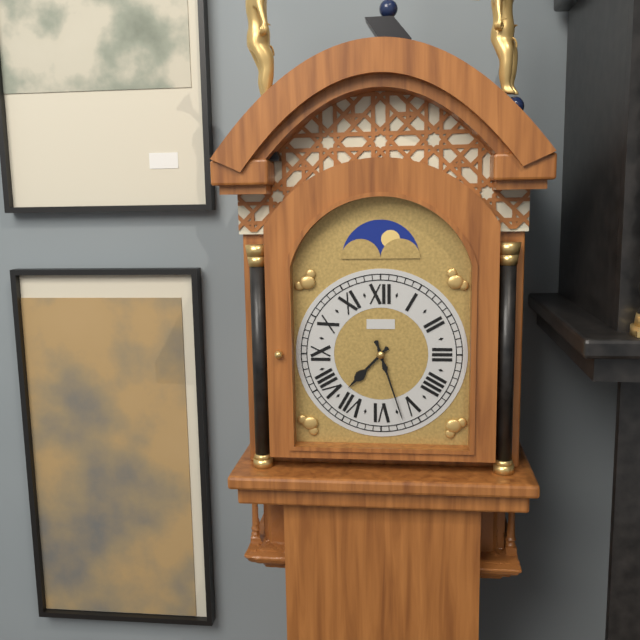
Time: 7h27
